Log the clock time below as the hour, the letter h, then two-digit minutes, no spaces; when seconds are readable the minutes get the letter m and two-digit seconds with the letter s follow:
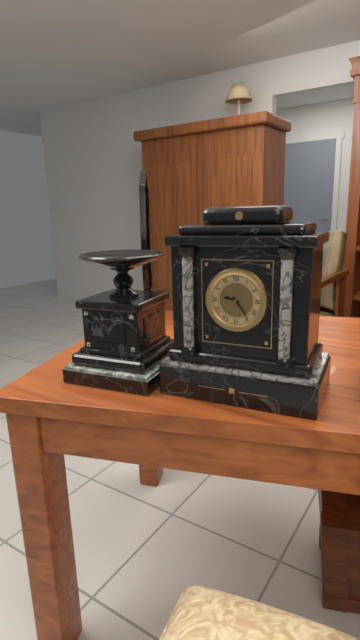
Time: 9h24
